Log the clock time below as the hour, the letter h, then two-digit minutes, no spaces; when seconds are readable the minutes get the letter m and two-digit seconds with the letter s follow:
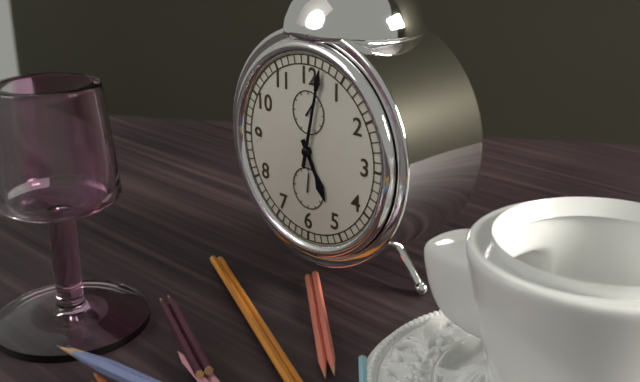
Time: 5h02
